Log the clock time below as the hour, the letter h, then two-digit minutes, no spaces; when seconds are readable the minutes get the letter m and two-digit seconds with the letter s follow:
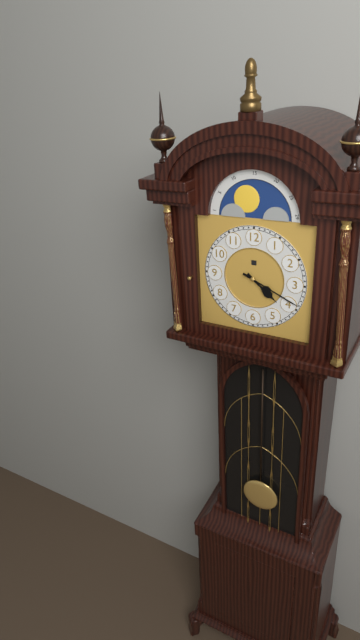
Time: 4h19
